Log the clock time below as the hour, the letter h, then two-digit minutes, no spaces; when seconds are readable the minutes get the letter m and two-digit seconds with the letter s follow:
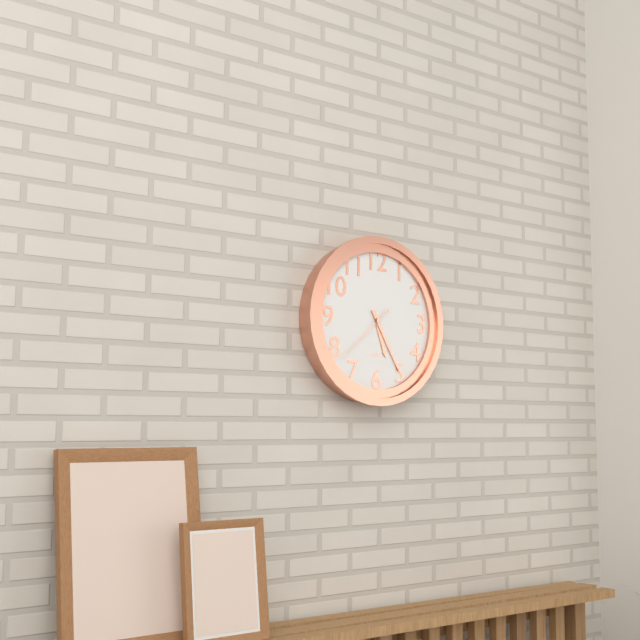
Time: 5h25m38s
